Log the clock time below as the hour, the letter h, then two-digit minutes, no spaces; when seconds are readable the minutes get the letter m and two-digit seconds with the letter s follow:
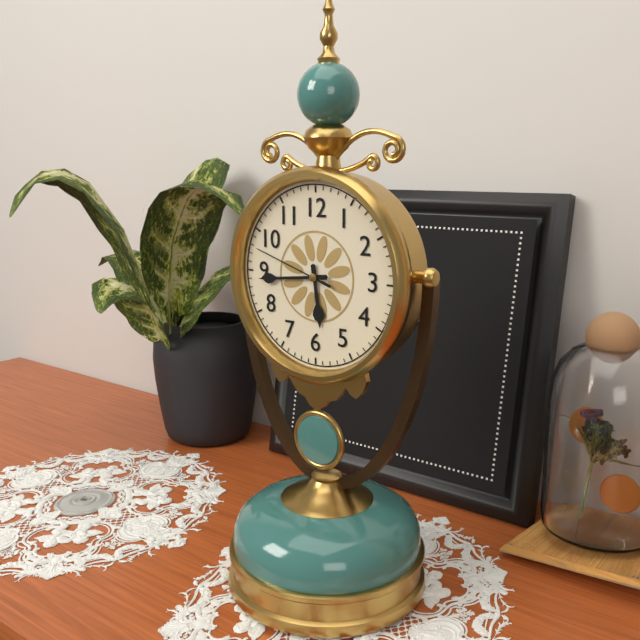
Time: 5h44m48s
